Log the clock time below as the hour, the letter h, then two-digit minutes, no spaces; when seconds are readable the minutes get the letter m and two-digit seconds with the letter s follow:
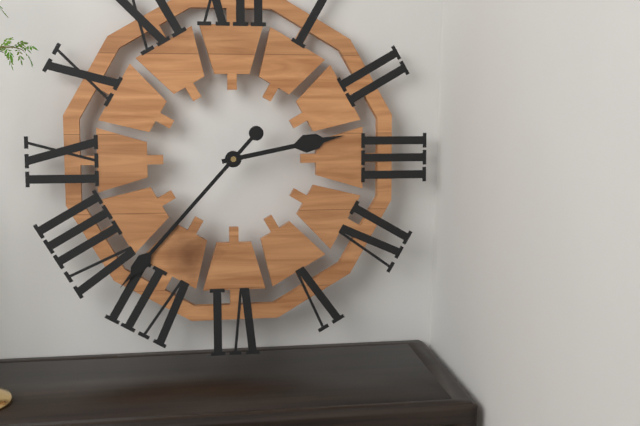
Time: 2h37
